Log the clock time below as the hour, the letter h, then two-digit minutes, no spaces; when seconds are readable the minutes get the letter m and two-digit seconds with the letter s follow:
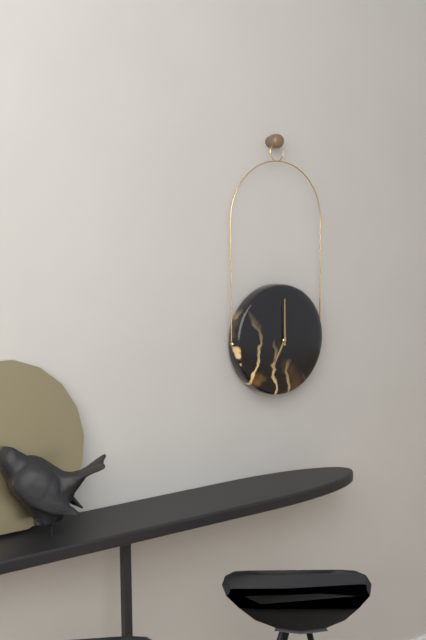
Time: 7h00
